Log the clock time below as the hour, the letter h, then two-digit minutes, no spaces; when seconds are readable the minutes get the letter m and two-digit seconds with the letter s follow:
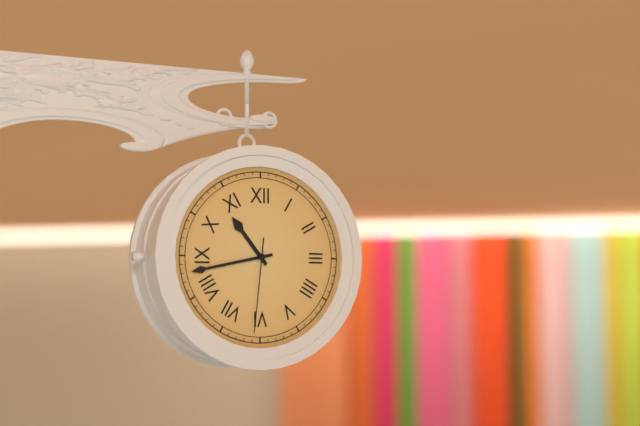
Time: 10h43m31s
